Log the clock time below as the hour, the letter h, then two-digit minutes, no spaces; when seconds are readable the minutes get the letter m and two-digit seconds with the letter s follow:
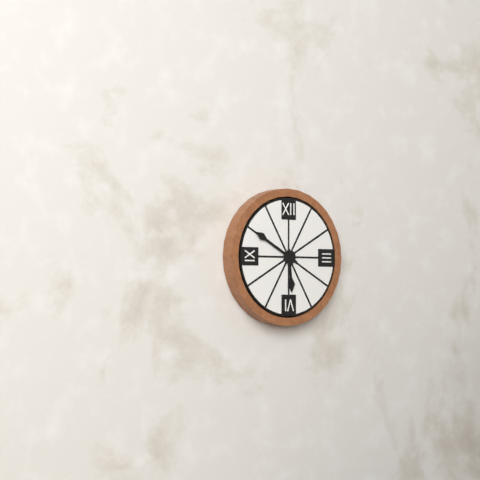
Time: 5h50
